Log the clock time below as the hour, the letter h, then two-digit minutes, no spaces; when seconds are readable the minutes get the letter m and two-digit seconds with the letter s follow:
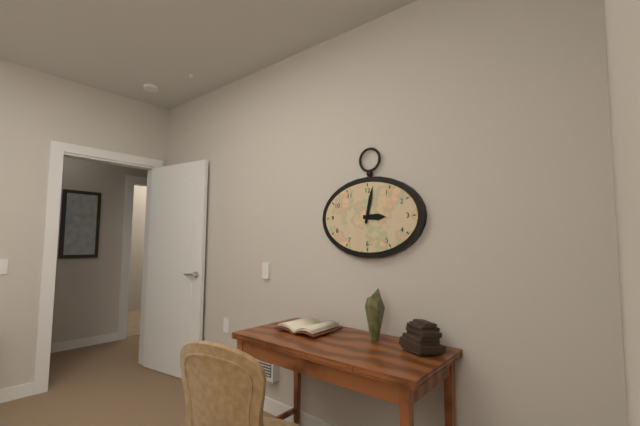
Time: 3h02
